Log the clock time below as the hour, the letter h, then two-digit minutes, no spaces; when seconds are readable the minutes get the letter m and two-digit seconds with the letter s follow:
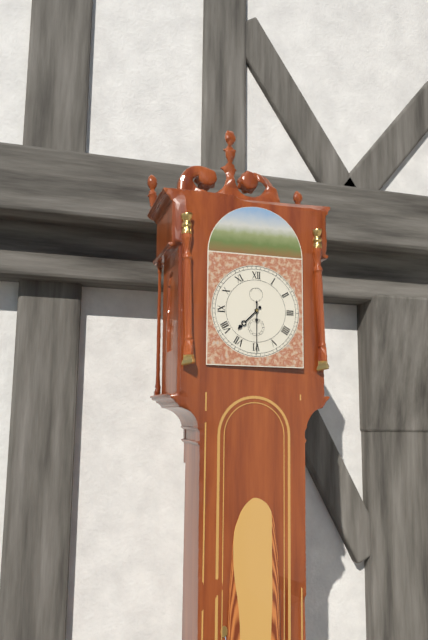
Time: 7h30
